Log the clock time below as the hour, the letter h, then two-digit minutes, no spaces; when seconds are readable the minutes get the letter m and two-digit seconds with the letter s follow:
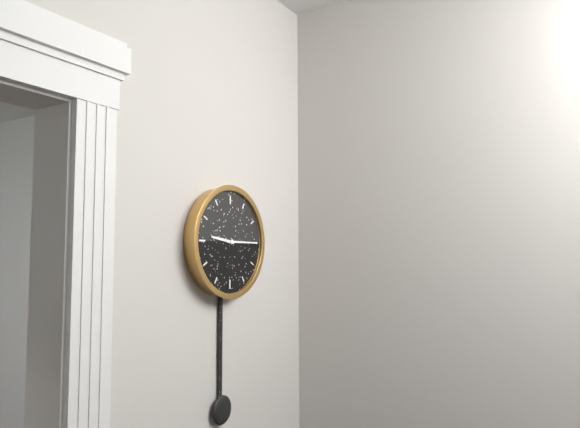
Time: 9h15
